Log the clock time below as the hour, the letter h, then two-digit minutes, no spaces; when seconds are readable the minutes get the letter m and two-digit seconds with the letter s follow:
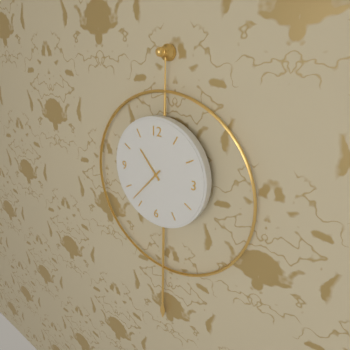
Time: 10h37
